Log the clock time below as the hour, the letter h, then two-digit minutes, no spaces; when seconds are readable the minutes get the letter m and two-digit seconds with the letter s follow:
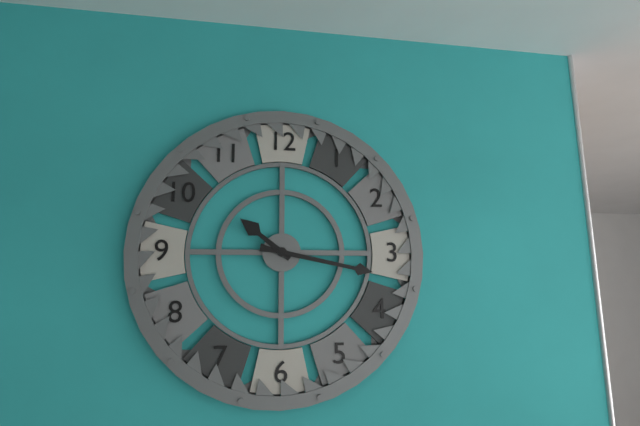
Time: 10h17
